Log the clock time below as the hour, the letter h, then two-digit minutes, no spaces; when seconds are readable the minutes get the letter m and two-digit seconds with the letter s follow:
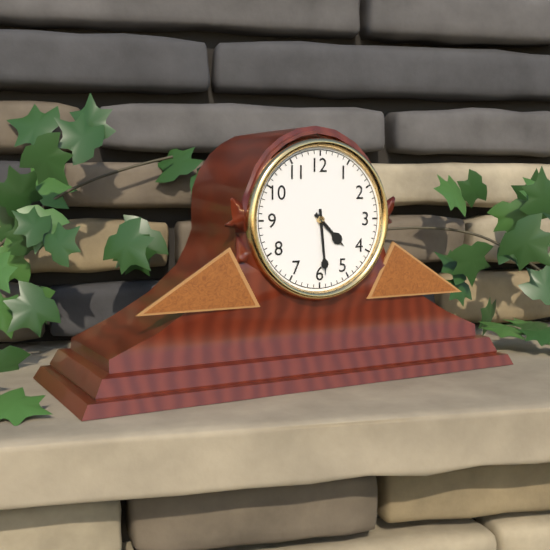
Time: 4h29
